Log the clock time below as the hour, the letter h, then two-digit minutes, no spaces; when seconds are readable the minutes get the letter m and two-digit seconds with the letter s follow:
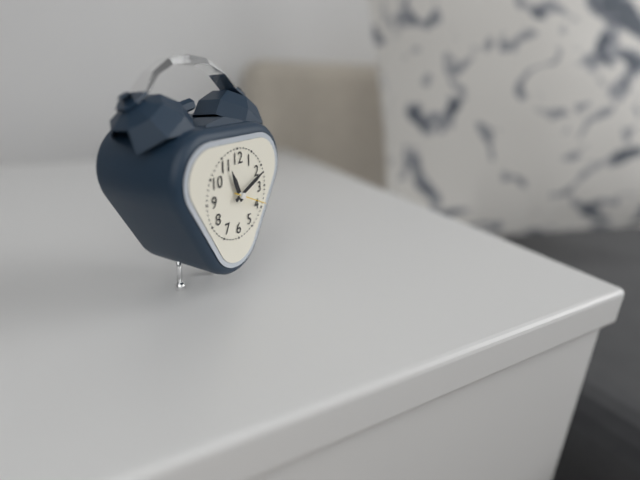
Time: 11h11
